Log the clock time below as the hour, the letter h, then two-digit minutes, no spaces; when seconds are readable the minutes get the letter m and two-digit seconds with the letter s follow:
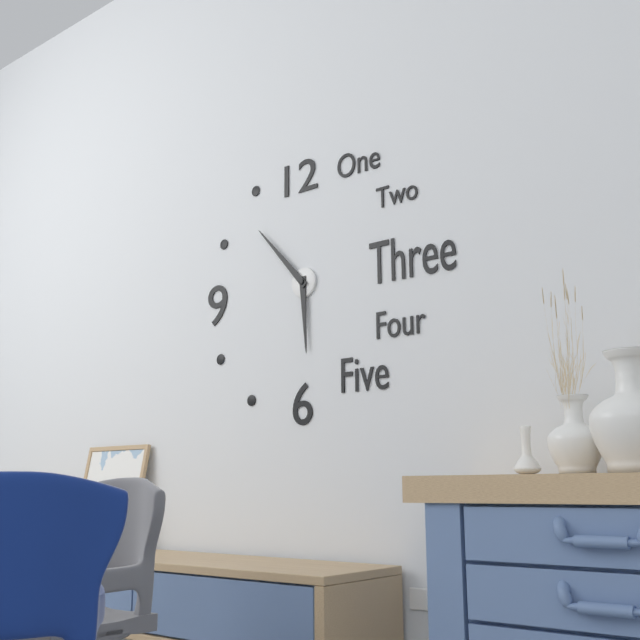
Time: 5h53
